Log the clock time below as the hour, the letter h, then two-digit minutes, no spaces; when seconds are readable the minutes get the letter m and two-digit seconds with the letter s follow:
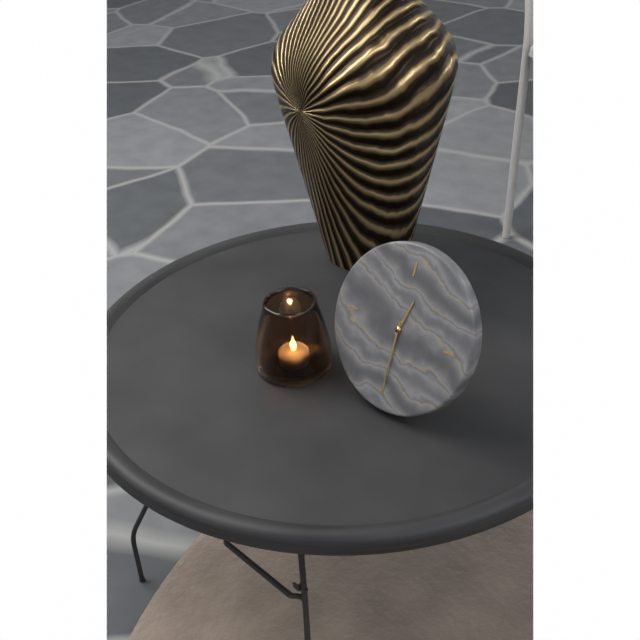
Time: 12h30
